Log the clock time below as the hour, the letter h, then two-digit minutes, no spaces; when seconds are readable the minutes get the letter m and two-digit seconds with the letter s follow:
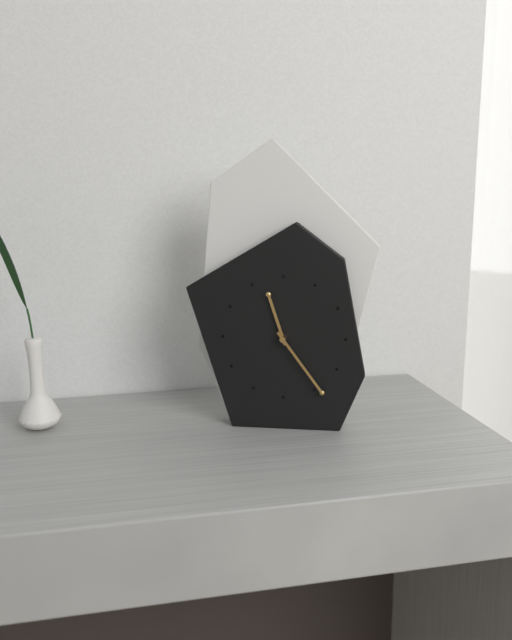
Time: 11h24
